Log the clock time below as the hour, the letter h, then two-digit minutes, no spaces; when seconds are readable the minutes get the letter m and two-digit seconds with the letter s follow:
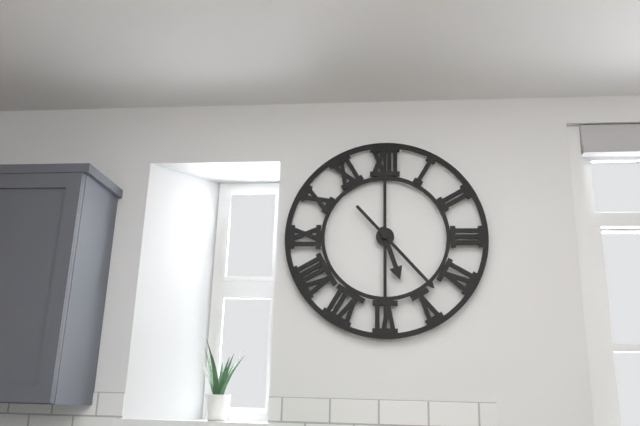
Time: 5h23
